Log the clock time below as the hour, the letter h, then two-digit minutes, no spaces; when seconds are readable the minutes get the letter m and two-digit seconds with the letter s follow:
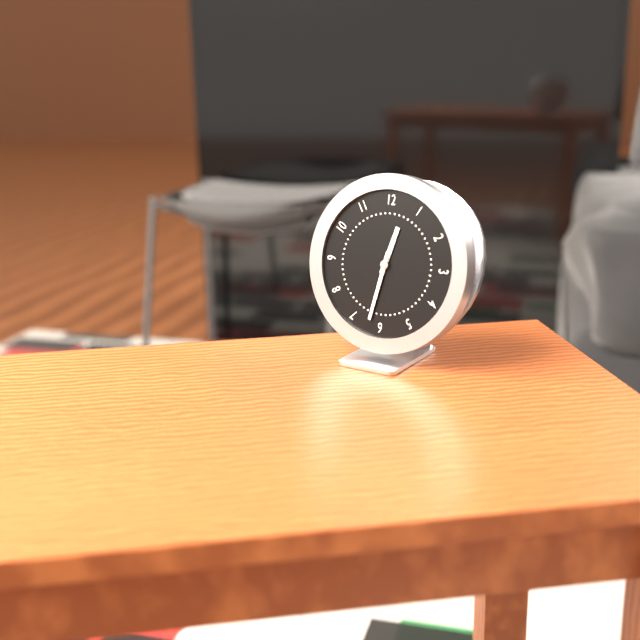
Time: 12h32
